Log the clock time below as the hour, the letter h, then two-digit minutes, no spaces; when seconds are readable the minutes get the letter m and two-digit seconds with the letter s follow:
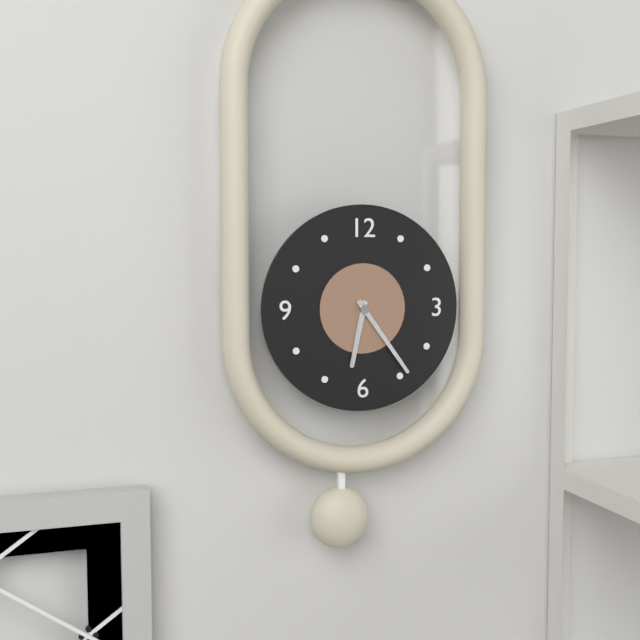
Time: 6h24
